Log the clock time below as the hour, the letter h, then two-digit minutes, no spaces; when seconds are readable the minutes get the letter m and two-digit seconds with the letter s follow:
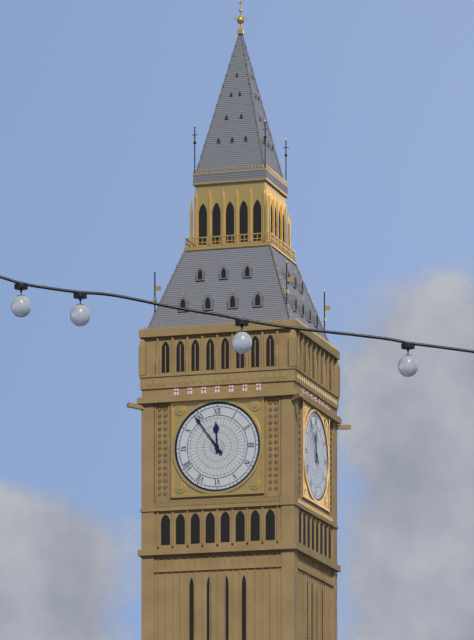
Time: 11h54
